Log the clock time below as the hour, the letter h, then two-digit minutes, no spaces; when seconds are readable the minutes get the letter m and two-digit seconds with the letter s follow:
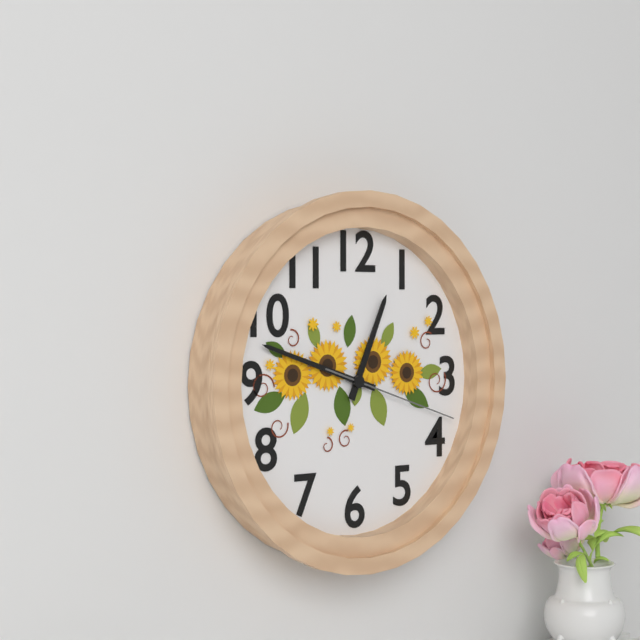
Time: 12h48m18s
